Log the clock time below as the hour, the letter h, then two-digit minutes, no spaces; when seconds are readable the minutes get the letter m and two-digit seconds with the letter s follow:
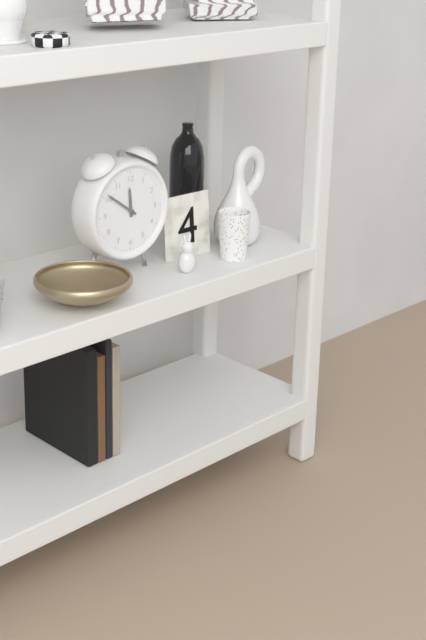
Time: 11h51
